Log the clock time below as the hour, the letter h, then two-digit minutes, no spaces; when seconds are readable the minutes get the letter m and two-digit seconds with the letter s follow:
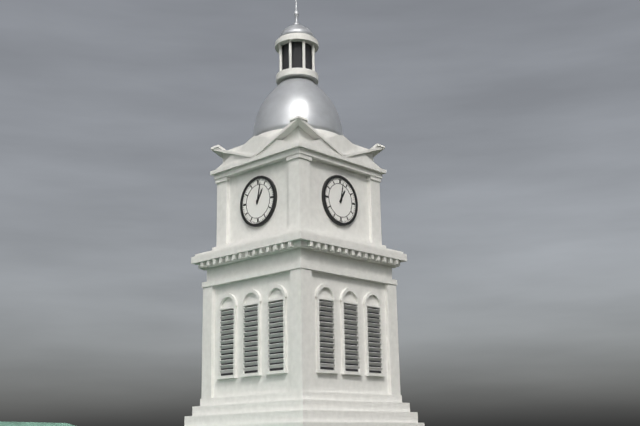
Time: 1h02
